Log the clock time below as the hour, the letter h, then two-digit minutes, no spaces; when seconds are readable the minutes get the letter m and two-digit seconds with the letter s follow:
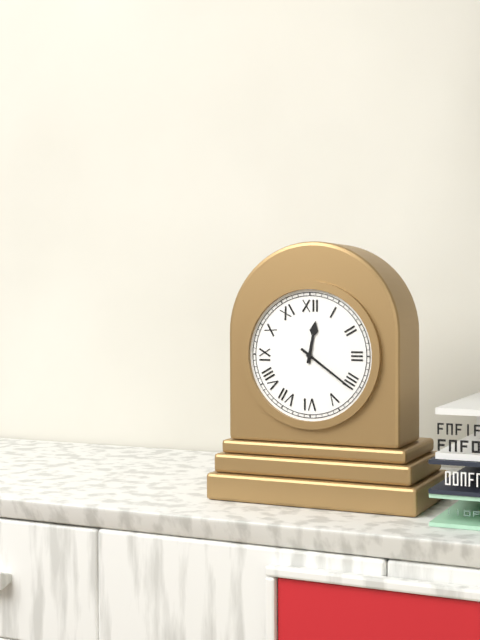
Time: 12h21
